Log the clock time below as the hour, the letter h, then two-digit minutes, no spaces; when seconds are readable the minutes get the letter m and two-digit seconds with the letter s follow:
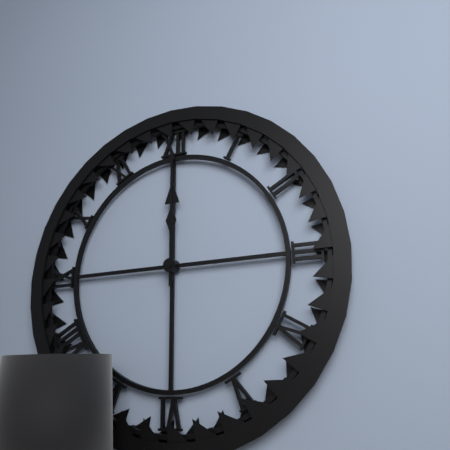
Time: 12h00
